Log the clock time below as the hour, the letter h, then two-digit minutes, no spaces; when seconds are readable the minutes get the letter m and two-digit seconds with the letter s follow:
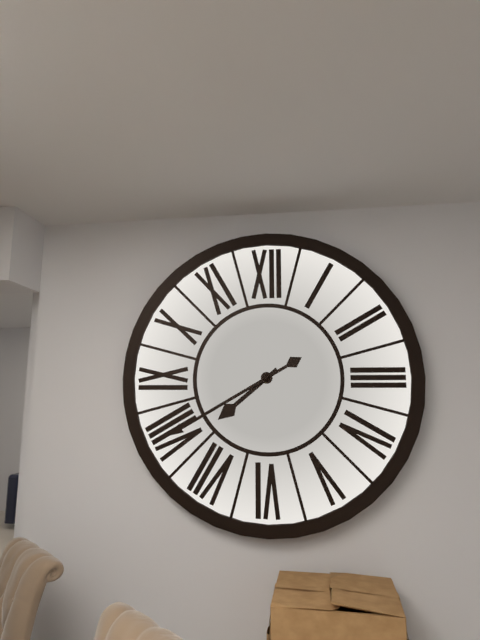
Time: 7h40
